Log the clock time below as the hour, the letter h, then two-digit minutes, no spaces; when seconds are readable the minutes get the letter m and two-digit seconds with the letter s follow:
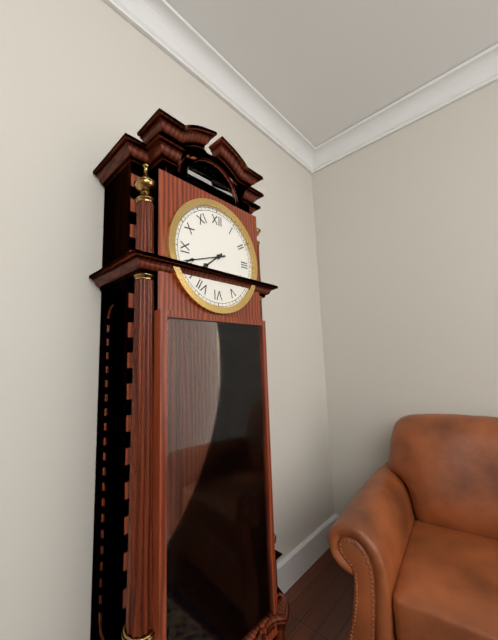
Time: 7h42
